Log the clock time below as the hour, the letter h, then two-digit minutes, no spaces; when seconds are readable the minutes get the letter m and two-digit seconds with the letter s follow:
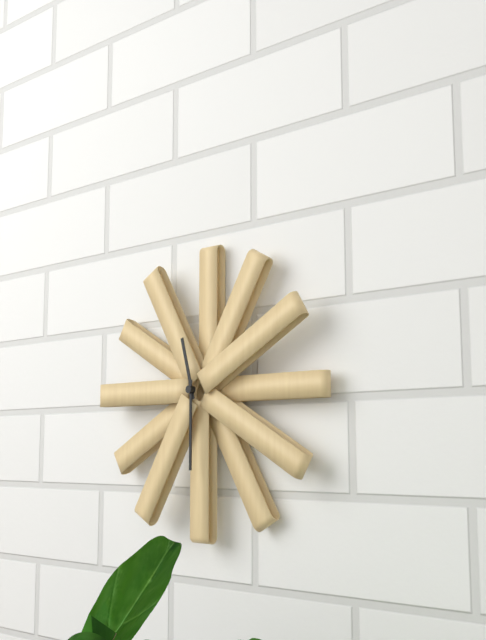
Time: 11h30
